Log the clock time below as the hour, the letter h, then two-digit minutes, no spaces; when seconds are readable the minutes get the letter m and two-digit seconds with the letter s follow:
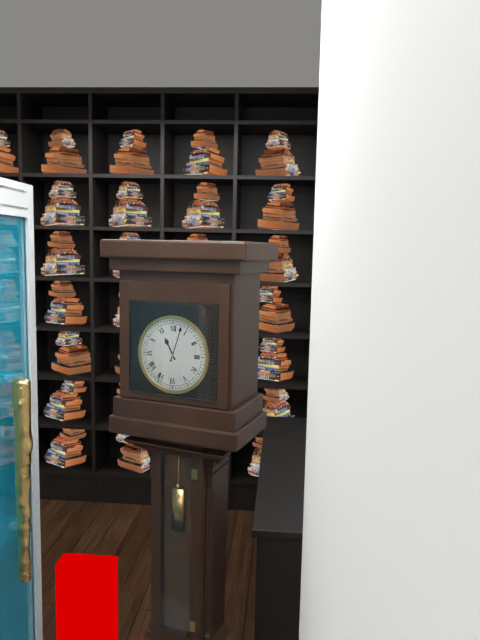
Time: 11h03
